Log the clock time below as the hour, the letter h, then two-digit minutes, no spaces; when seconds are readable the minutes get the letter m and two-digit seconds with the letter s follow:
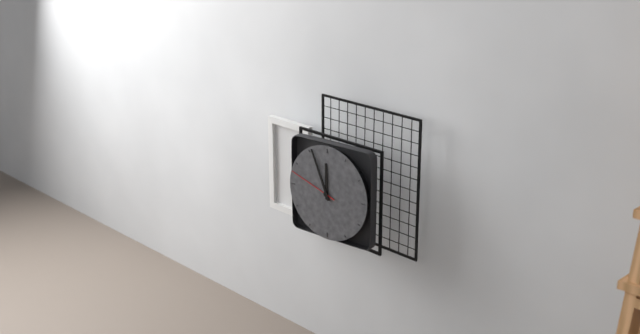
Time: 11h56m48s
